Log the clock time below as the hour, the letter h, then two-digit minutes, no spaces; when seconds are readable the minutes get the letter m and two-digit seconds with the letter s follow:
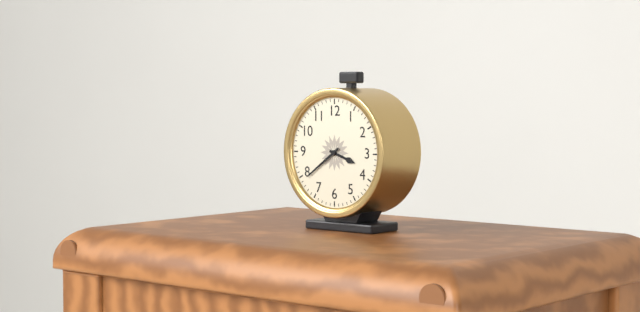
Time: 3h39
